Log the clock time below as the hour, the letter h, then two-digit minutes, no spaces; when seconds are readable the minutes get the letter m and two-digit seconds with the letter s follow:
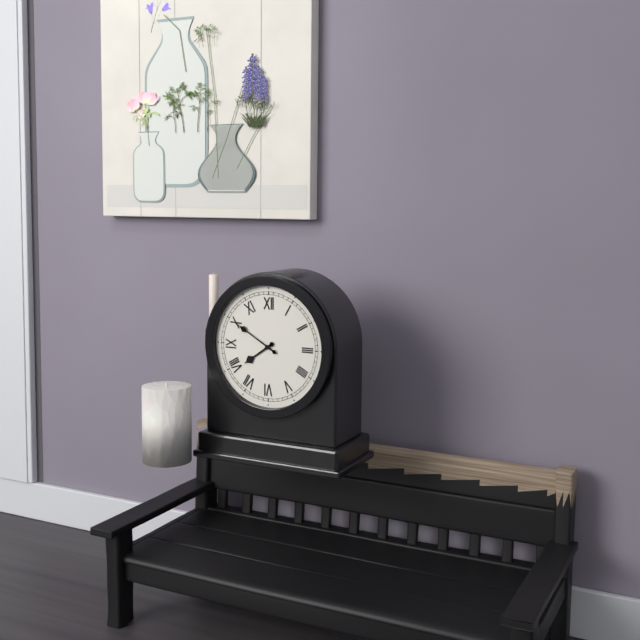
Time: 7h50
